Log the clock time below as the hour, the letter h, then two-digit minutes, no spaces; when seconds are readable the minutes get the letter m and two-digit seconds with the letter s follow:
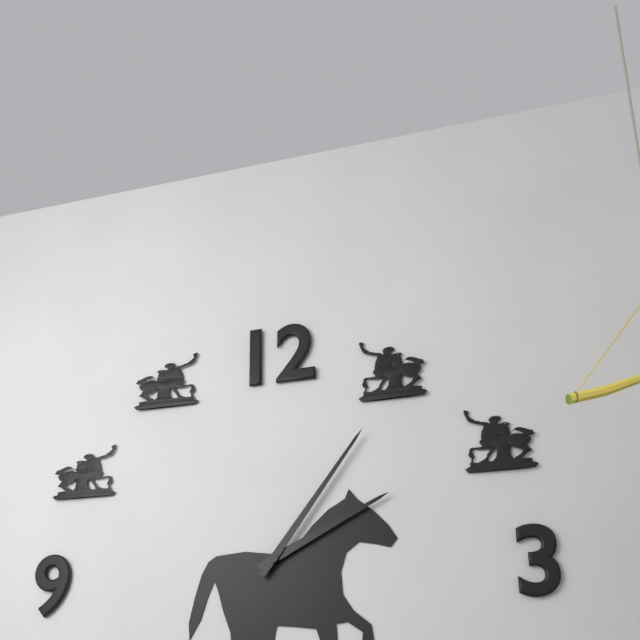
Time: 2h06
